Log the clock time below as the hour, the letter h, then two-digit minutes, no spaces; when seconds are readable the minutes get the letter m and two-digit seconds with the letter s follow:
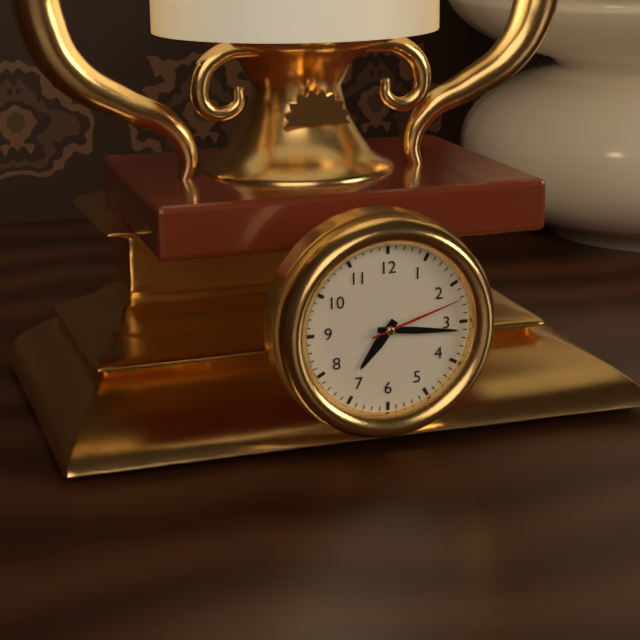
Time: 7h16m12s
